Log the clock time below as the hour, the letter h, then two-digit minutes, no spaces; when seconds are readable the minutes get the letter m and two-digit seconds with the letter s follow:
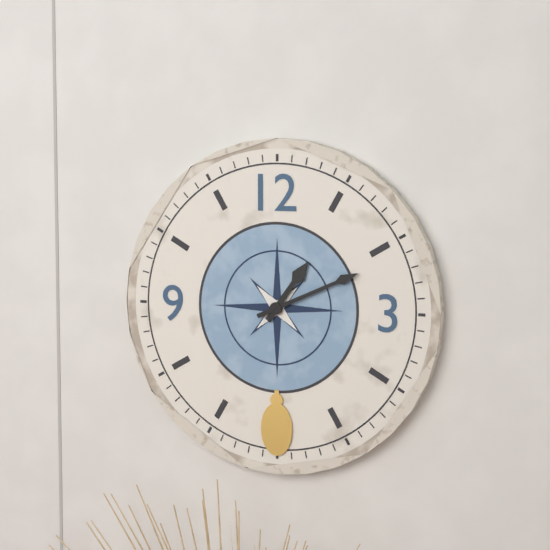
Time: 1h11
